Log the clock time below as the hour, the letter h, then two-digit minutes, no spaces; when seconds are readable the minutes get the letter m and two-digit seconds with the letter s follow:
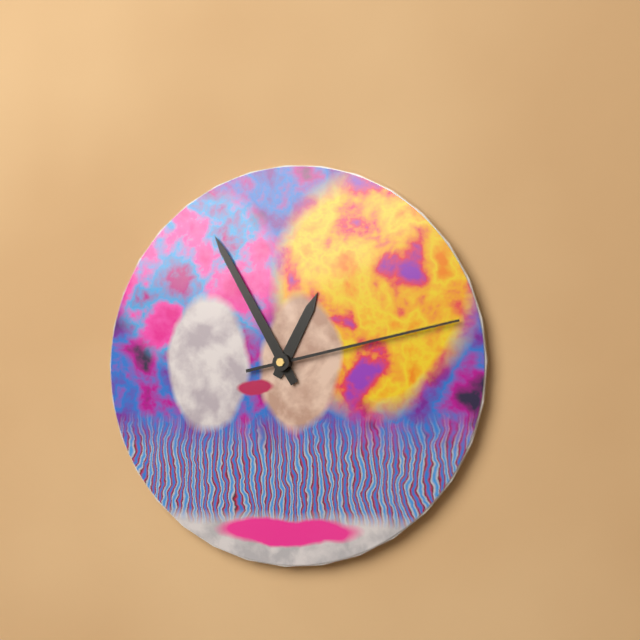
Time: 12h55m13s
